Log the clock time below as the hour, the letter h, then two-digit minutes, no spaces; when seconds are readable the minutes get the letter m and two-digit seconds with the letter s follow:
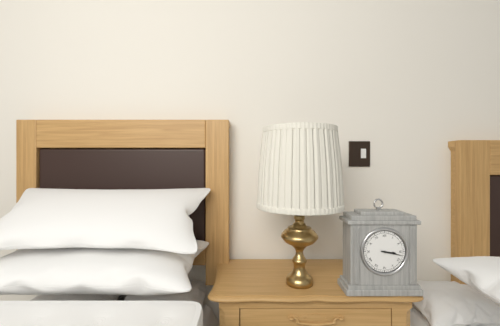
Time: 3h17
